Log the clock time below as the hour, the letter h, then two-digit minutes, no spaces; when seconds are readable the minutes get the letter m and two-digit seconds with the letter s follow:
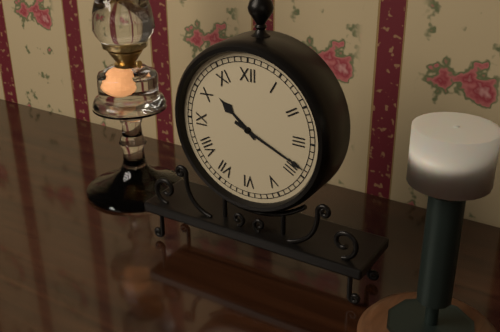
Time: 10h19
